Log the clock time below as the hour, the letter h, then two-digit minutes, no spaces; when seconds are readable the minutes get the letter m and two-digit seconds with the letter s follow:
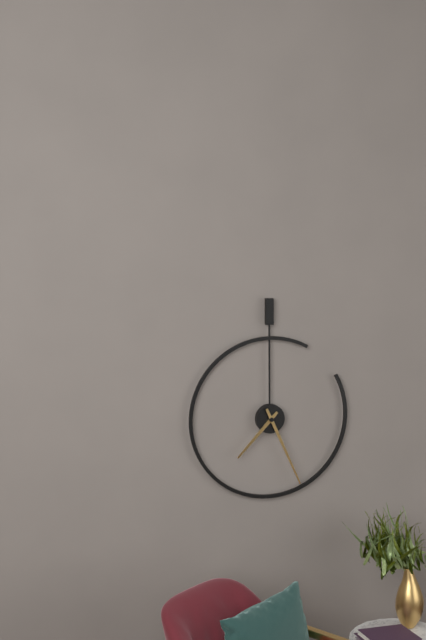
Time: 7h26
